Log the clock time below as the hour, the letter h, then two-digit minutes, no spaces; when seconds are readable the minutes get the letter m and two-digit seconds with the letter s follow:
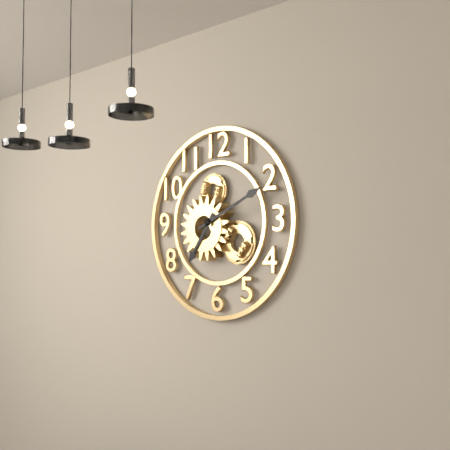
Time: 7h11
